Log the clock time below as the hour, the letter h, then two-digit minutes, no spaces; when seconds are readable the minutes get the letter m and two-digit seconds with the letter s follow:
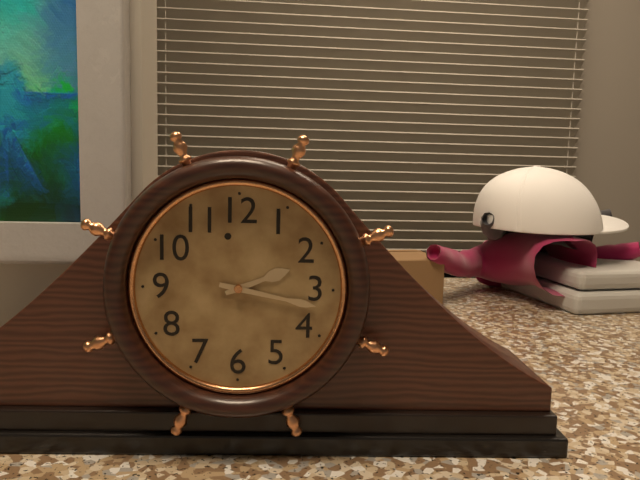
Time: 2h17
